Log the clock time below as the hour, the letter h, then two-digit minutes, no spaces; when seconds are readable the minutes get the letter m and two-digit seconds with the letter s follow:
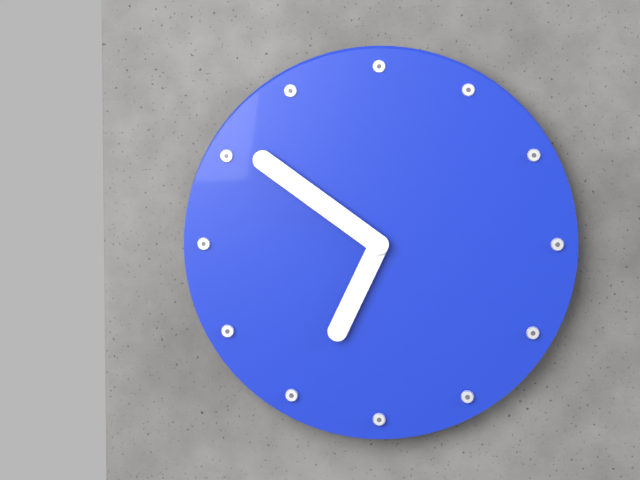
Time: 6h51
